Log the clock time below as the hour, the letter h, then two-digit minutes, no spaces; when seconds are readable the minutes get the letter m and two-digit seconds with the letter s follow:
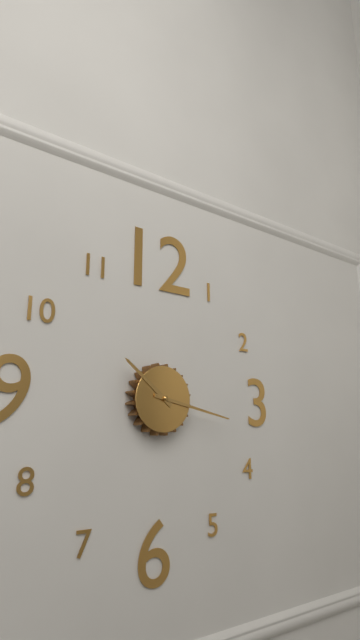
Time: 10h17
